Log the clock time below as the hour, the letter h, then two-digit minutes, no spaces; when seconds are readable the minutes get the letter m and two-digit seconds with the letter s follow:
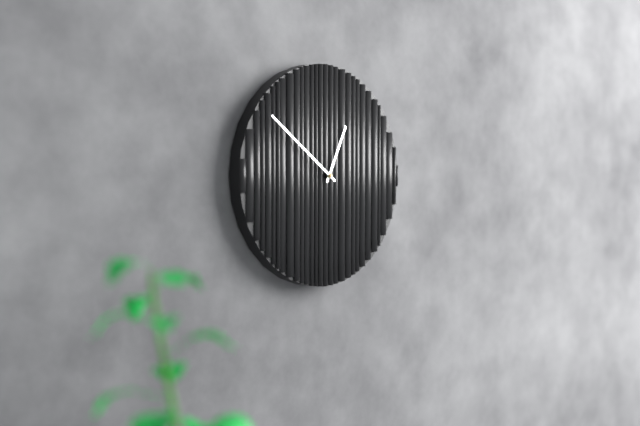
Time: 12h51
